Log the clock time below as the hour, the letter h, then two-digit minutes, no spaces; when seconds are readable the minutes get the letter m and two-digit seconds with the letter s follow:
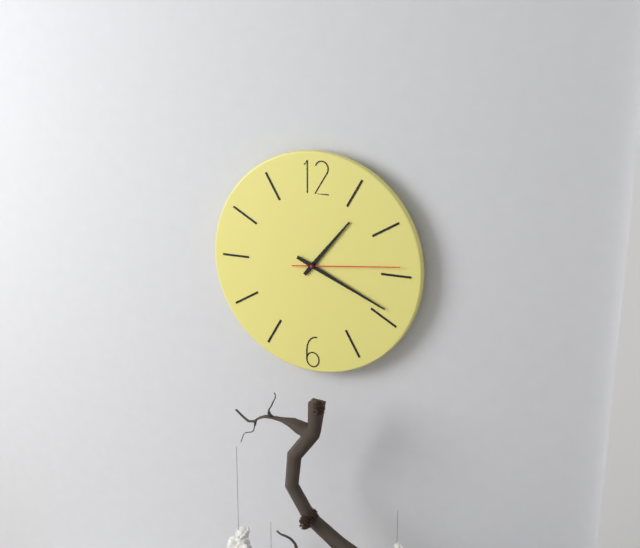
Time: 1h19m14s
